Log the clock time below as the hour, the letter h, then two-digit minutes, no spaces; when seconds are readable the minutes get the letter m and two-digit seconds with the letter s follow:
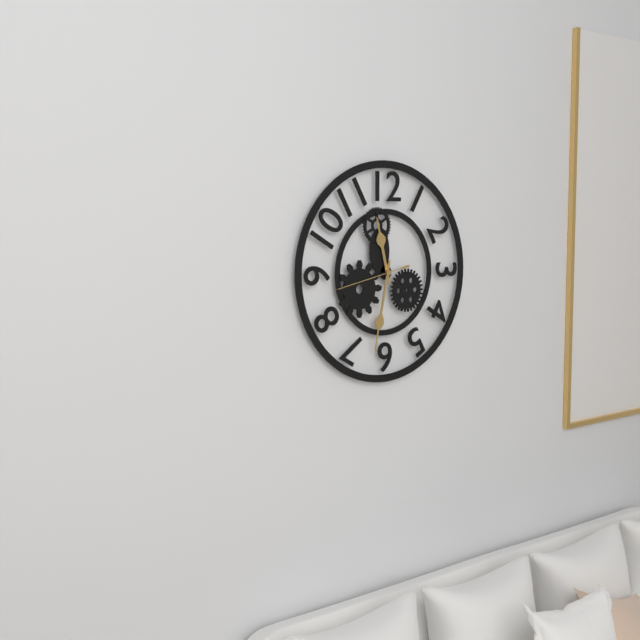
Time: 11h32m43s
